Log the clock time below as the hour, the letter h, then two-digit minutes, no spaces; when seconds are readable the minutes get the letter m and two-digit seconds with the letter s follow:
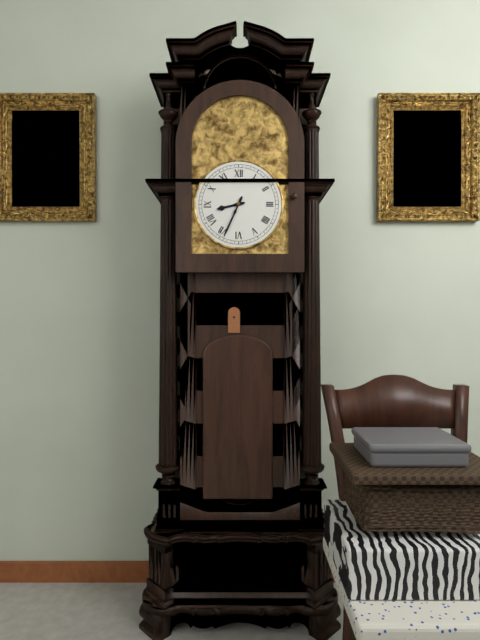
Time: 8h34
